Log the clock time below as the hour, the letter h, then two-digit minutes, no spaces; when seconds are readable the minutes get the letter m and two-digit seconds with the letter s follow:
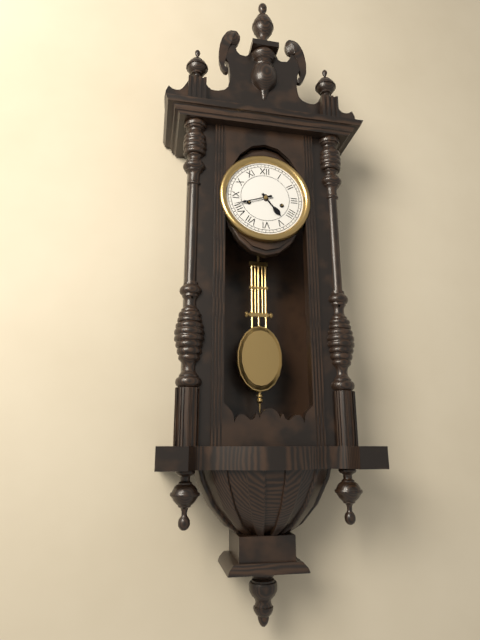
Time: 4h42
